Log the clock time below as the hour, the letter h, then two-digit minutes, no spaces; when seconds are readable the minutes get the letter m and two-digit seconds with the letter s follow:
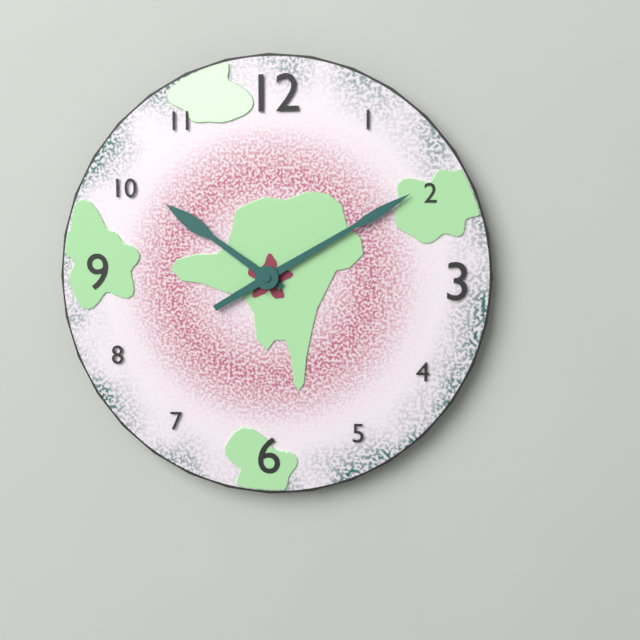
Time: 10h10
